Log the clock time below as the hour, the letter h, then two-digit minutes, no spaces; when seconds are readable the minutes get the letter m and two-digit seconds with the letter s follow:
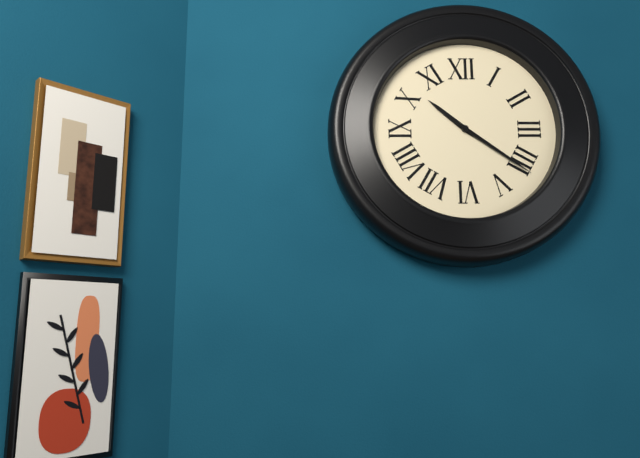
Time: 10h21
